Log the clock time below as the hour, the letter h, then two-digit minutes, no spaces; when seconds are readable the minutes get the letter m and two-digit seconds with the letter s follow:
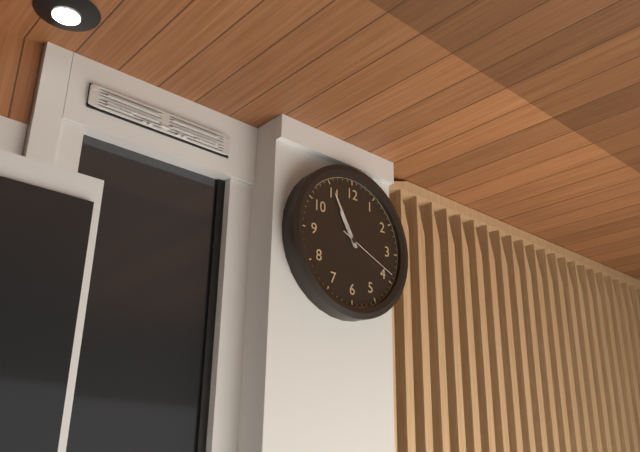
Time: 10h55m19s
